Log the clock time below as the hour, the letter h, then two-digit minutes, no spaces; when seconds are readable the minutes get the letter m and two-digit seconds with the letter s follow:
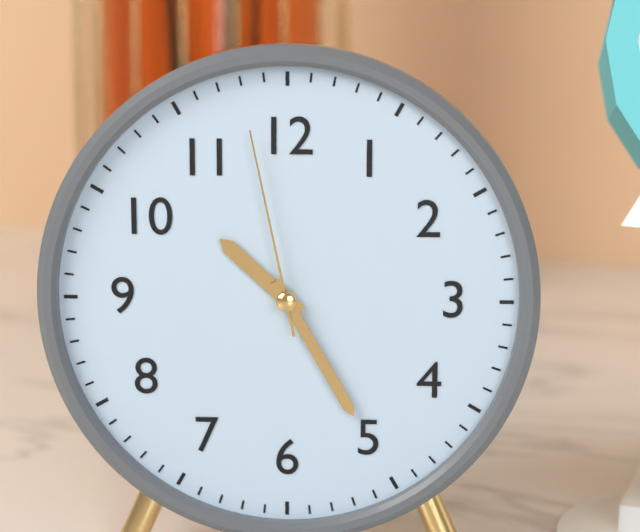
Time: 10h25m58s
